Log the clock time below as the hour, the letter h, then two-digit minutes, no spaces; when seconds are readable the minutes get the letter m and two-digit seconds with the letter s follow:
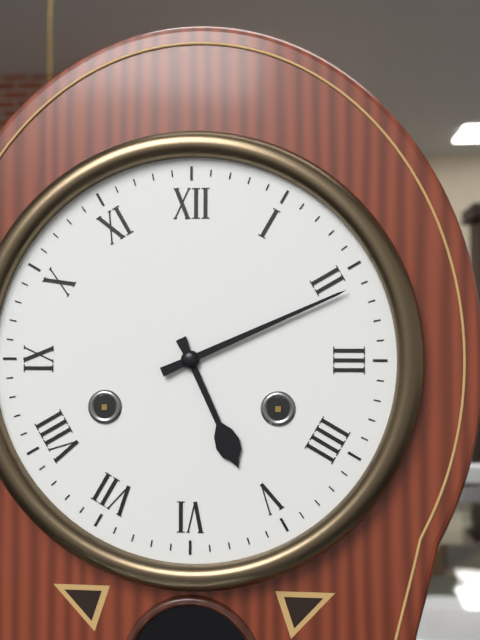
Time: 5h11
